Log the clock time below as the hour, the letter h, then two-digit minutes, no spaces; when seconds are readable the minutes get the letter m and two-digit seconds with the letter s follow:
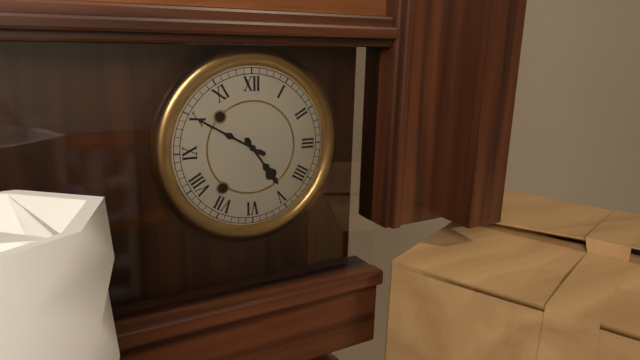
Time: 4h50
